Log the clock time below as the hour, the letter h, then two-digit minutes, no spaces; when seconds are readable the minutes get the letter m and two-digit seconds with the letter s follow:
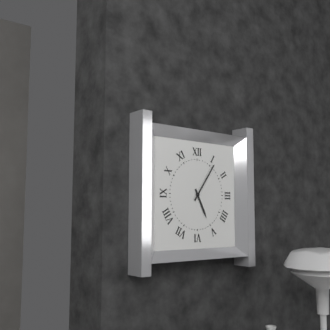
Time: 5h06
